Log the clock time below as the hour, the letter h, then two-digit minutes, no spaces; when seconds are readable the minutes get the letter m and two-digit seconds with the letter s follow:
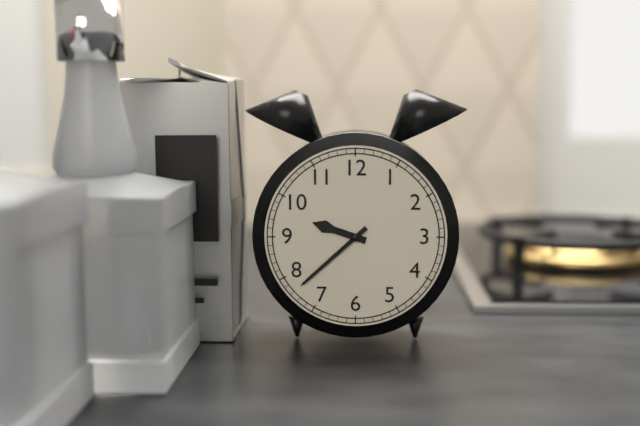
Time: 9h38
